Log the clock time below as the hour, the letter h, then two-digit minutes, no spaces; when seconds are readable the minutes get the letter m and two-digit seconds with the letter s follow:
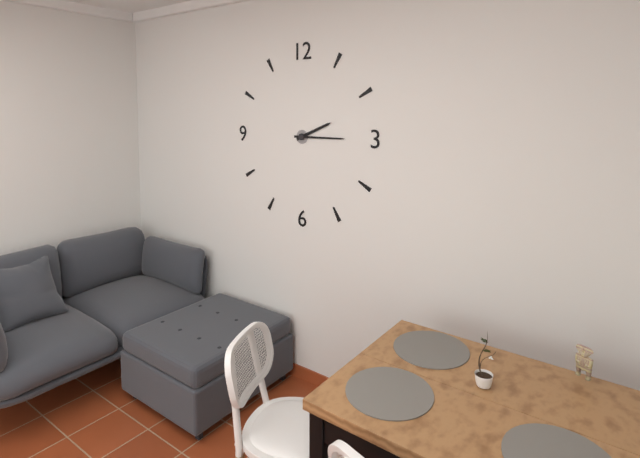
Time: 2h15
